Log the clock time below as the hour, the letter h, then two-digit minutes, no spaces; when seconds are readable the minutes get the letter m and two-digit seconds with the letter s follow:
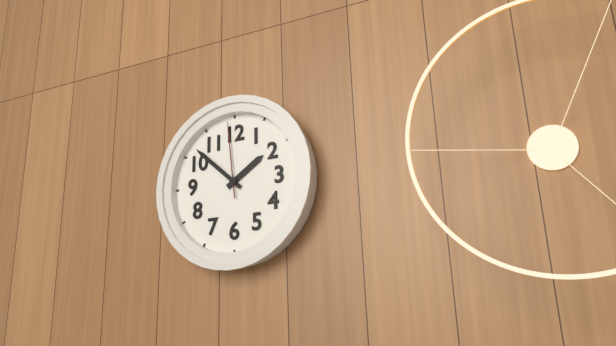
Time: 1h52m59s
